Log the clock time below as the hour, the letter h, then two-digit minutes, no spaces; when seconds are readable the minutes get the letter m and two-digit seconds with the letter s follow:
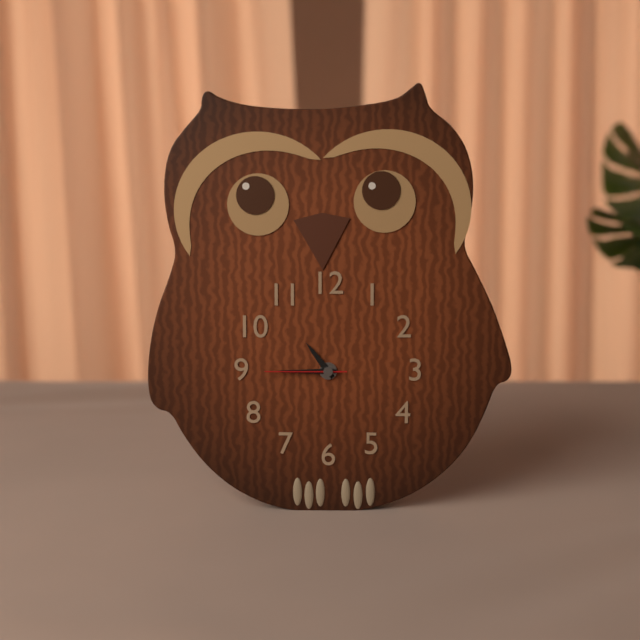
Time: 10h45m45s
